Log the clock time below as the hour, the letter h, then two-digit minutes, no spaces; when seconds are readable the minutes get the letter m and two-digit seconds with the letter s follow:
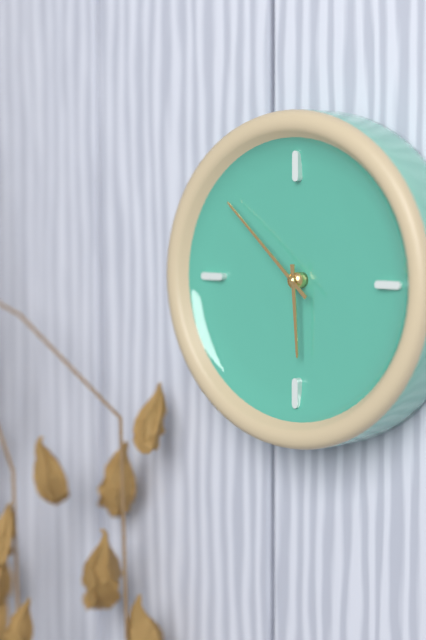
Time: 5h52
